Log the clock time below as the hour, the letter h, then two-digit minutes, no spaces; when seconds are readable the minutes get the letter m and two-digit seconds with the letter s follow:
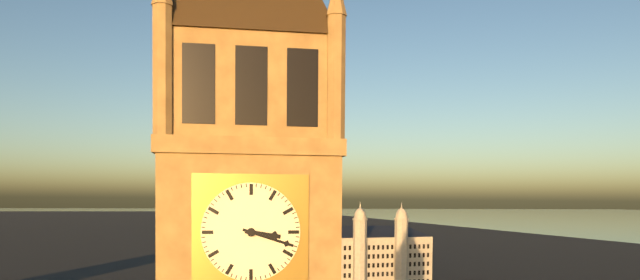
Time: 3h18
